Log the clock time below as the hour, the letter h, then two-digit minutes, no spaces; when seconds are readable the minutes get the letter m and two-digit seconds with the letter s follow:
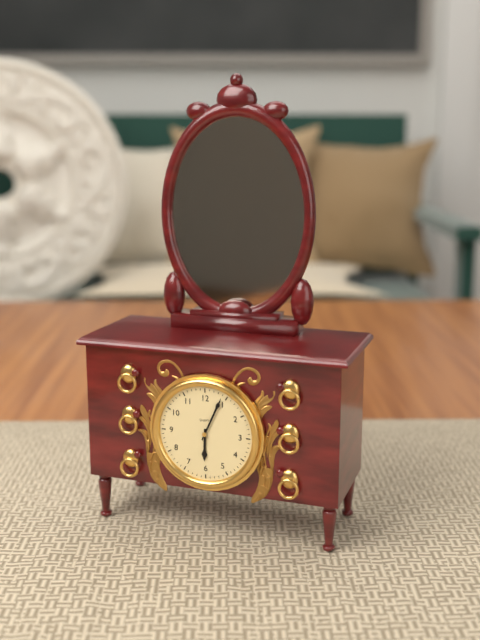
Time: 6h04
